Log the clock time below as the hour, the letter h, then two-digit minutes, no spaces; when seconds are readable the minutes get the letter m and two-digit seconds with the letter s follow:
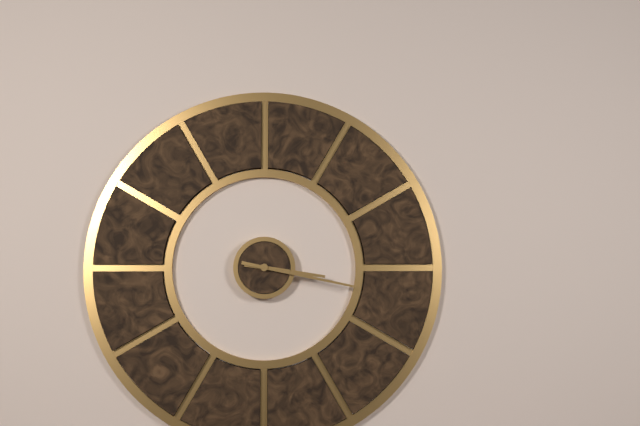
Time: 3h17
